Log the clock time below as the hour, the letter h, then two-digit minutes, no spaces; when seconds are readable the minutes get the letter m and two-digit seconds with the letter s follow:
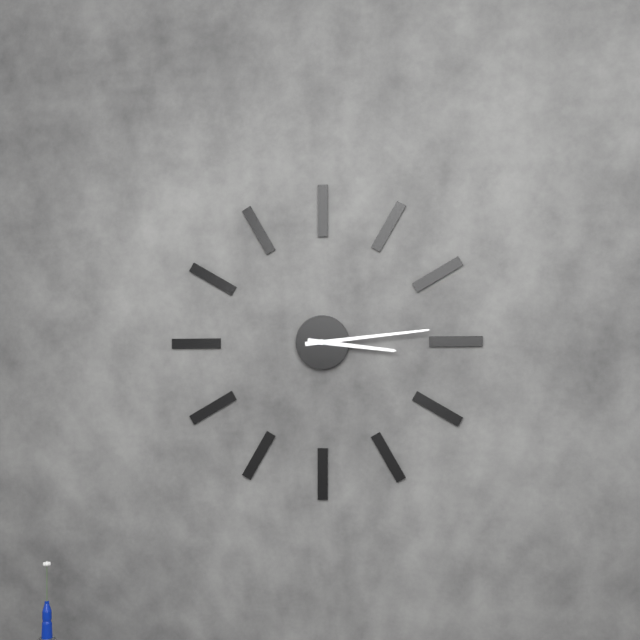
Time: 3h14
